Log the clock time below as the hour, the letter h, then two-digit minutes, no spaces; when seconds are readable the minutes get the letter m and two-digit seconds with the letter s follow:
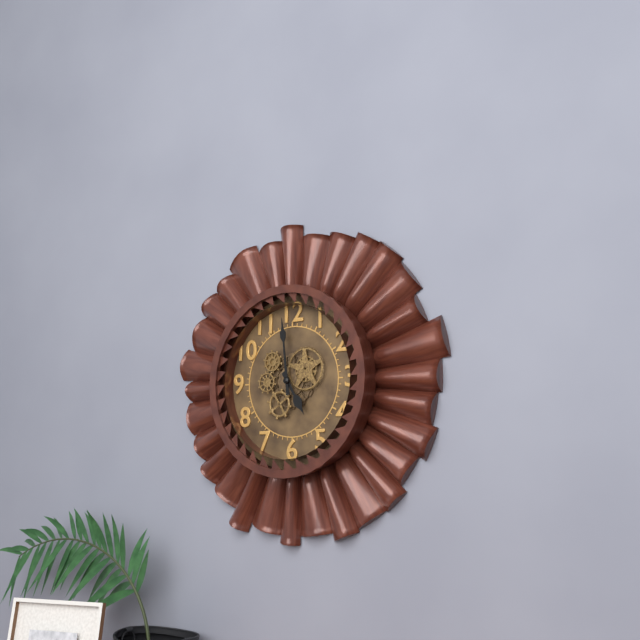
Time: 4h59
